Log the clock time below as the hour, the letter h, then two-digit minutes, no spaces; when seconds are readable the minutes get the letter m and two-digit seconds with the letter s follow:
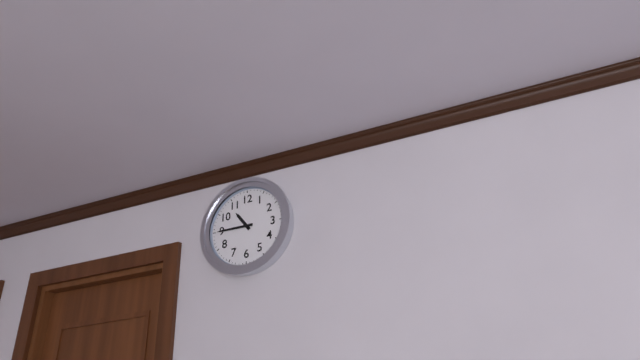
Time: 10h45
